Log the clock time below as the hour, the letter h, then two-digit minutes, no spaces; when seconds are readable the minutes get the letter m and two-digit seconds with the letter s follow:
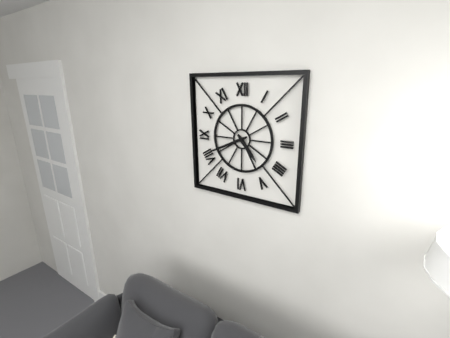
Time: 4h41
